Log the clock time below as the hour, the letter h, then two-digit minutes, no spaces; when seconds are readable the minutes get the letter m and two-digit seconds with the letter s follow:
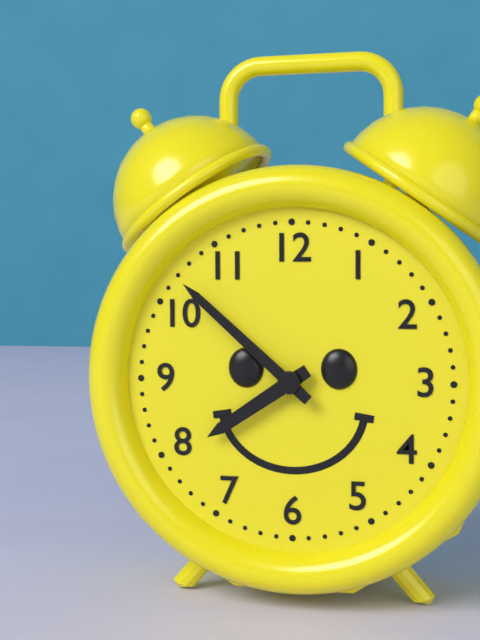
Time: 7h52
